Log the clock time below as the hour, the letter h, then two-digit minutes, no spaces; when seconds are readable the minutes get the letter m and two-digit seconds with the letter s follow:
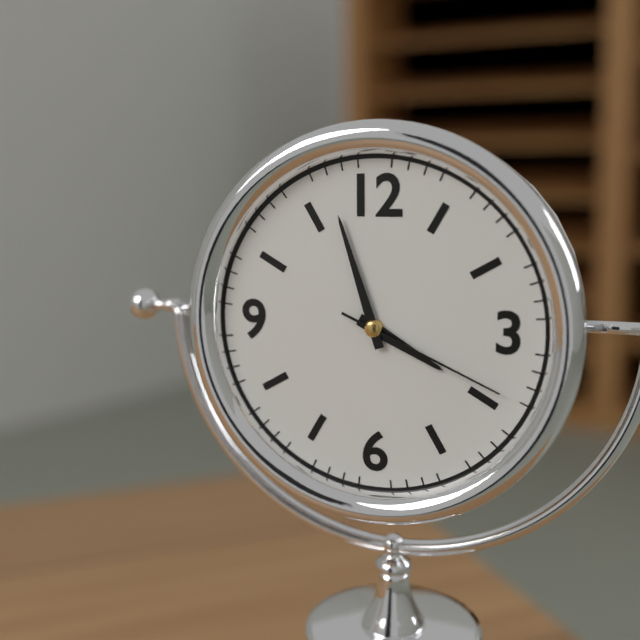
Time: 3h57m19s
